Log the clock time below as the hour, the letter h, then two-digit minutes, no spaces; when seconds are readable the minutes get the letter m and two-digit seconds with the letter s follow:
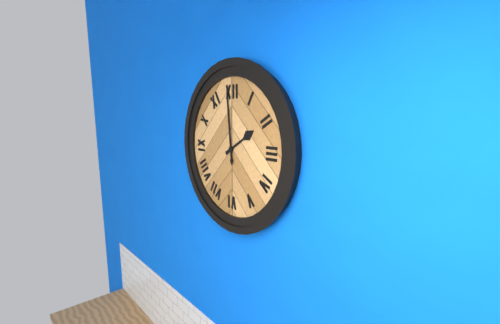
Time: 1h59
